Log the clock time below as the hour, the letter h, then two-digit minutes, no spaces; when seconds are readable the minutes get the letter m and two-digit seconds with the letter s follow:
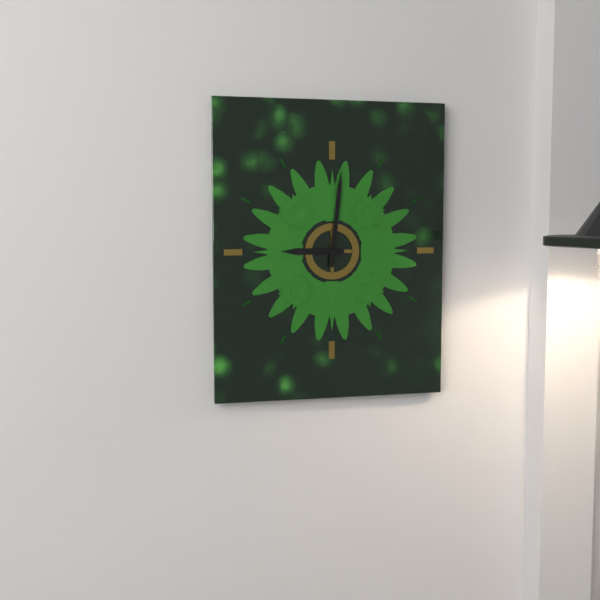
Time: 9h01
